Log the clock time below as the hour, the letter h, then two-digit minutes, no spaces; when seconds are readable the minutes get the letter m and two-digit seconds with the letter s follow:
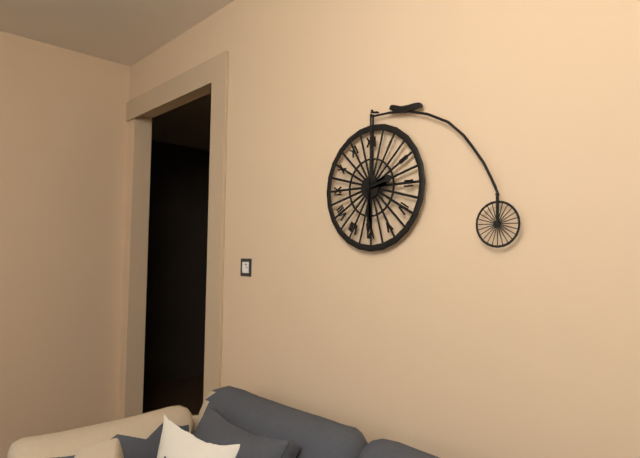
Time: 2h30
